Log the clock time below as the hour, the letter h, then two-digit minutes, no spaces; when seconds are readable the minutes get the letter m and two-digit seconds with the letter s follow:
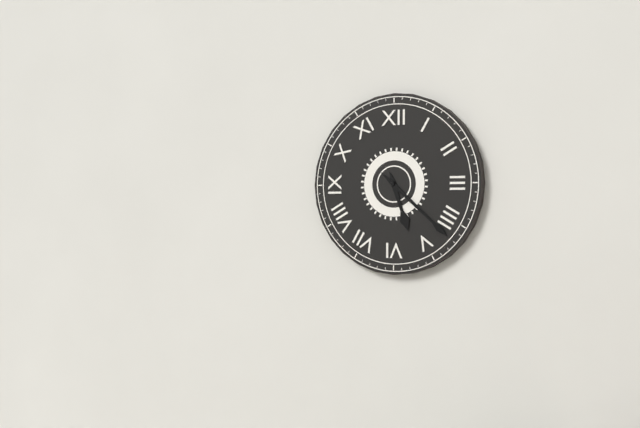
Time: 5h22
